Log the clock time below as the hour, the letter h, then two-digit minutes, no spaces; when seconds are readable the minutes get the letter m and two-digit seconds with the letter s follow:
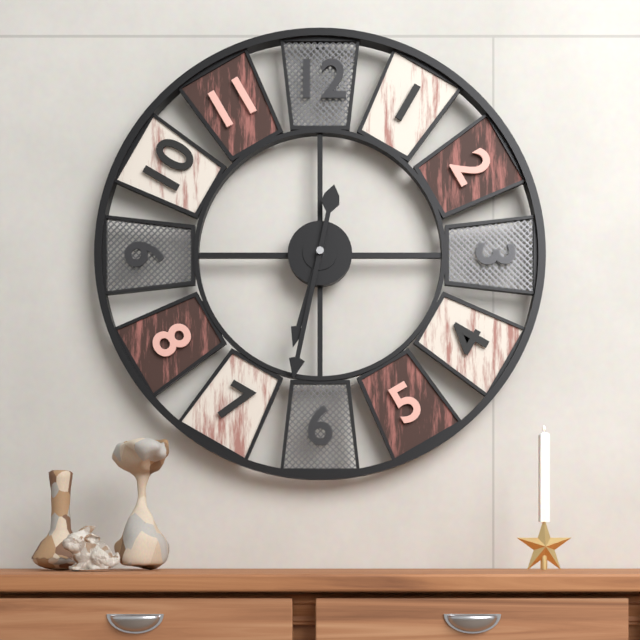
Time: 6h32
